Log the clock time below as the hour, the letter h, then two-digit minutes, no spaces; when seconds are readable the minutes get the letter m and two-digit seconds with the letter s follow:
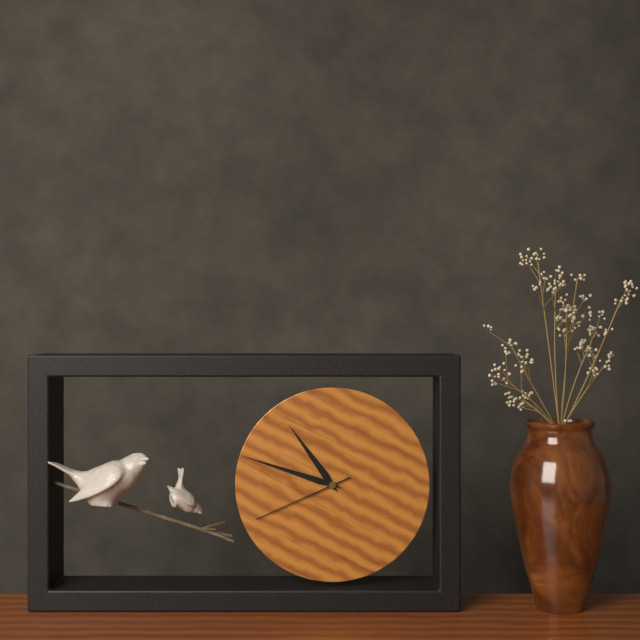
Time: 10h48m41s
